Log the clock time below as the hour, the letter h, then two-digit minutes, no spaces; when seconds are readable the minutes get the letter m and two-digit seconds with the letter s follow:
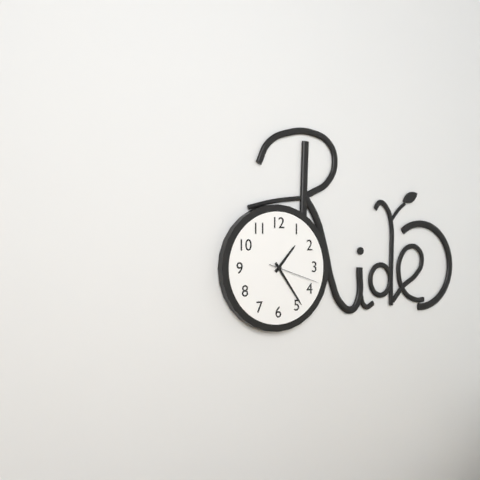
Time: 1h24m18s
